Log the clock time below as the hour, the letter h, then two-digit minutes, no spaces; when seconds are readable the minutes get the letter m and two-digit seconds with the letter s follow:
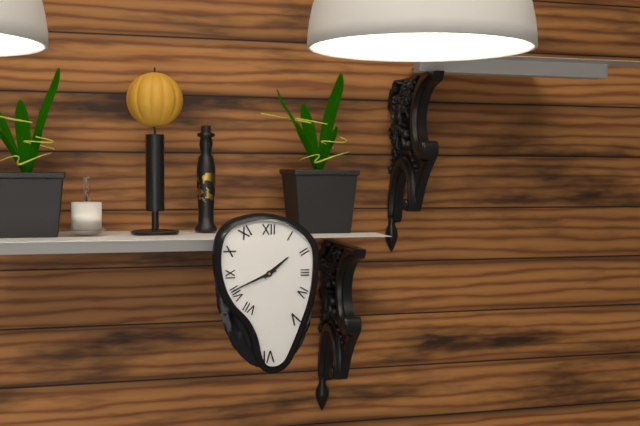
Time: 1h41
